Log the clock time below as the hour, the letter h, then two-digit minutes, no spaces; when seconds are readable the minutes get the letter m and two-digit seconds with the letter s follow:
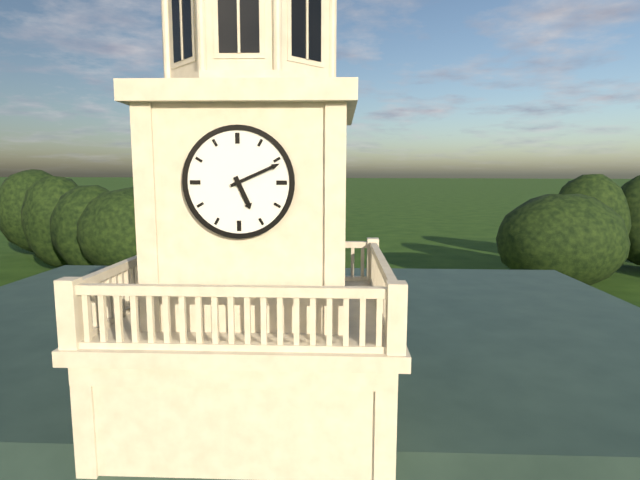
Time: 5h11
